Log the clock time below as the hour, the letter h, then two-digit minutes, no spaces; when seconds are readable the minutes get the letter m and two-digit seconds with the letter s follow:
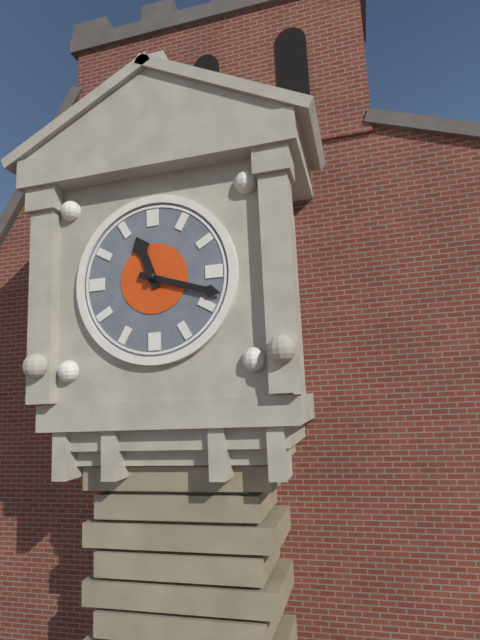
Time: 11h18
